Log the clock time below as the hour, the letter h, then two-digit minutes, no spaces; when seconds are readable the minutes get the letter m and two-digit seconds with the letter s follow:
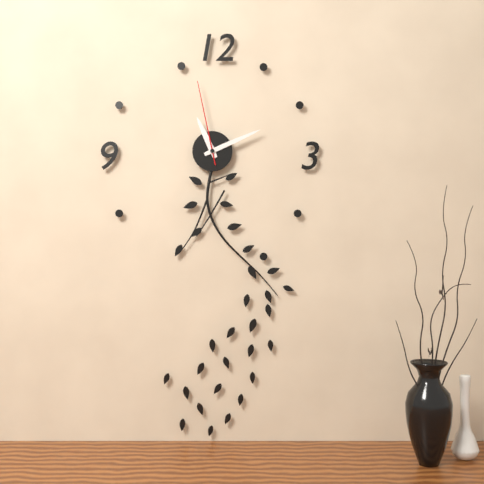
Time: 11h11m58s
